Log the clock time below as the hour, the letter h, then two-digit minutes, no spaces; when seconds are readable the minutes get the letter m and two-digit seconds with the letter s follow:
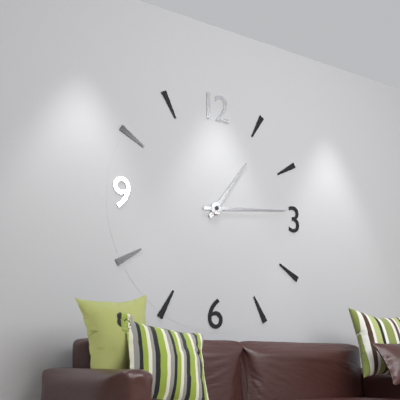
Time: 1h14
